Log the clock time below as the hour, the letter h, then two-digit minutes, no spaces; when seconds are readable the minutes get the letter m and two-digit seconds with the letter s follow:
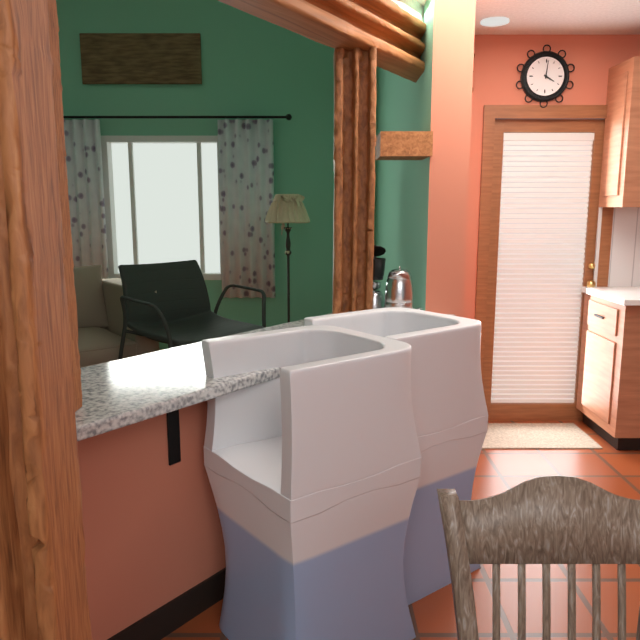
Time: 4h01
